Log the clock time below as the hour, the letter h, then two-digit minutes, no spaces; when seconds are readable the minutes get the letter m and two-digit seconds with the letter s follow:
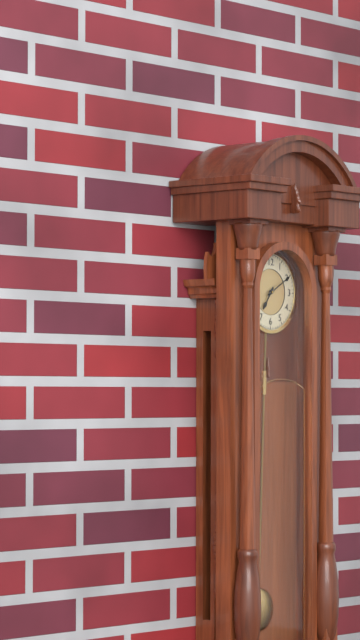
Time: 7h10
